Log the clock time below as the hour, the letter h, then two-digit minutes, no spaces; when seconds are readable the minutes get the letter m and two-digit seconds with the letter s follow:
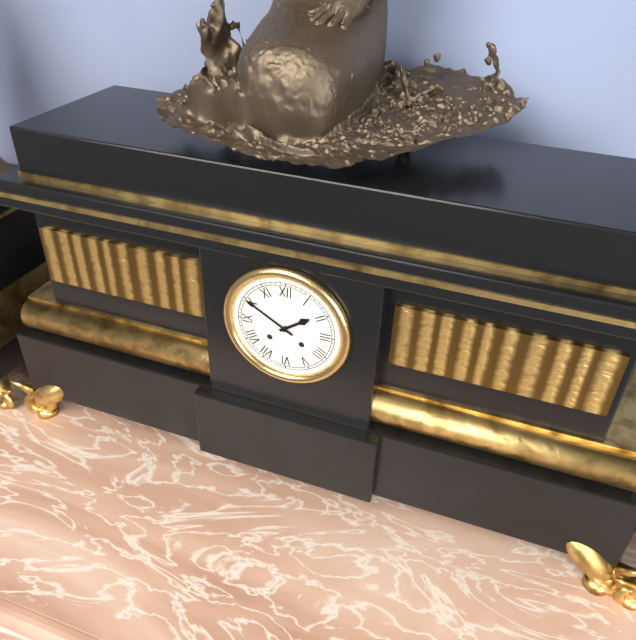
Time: 1h50
